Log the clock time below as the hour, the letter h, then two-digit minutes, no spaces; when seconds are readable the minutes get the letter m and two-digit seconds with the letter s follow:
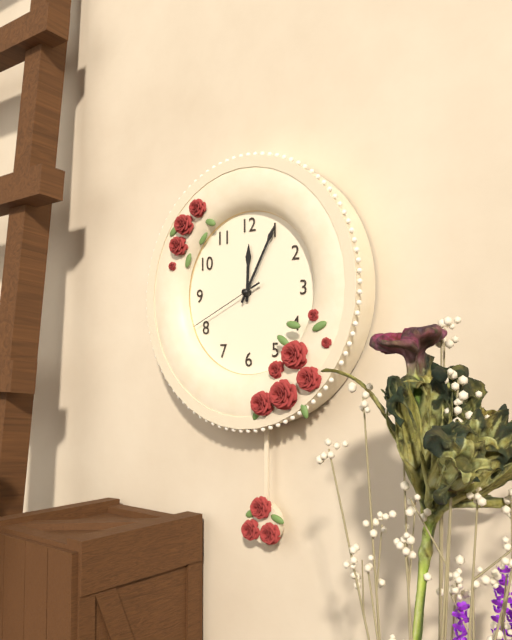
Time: 12h05m41s
